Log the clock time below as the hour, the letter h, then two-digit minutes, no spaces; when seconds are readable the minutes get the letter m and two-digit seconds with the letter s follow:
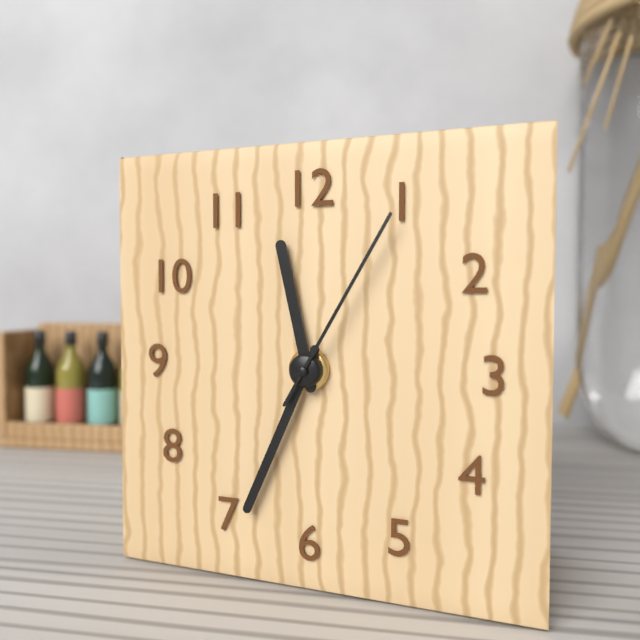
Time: 11h34m05s
